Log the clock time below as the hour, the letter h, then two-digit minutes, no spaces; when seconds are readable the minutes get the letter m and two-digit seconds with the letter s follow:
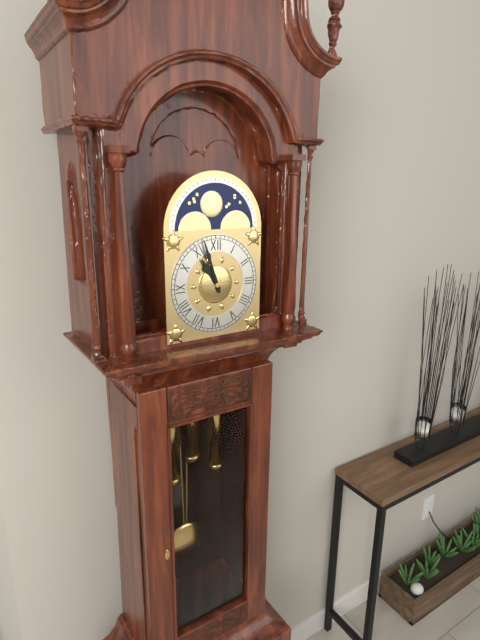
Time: 10h57
